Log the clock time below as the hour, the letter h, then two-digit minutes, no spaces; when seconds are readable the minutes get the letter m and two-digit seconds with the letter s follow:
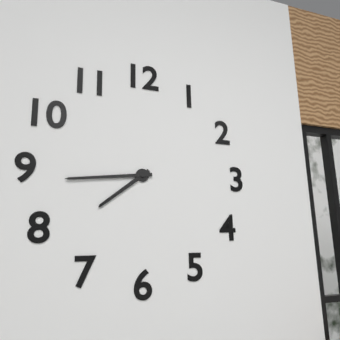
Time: 7h44
